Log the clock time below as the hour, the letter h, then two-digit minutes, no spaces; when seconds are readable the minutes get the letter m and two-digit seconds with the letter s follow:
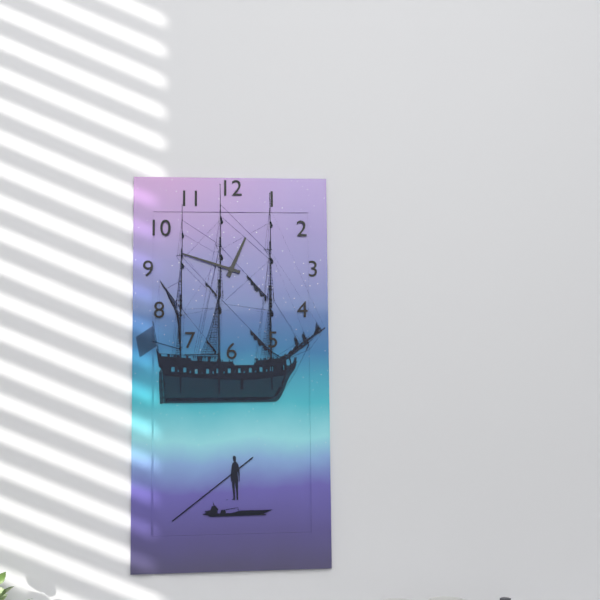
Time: 12h48
